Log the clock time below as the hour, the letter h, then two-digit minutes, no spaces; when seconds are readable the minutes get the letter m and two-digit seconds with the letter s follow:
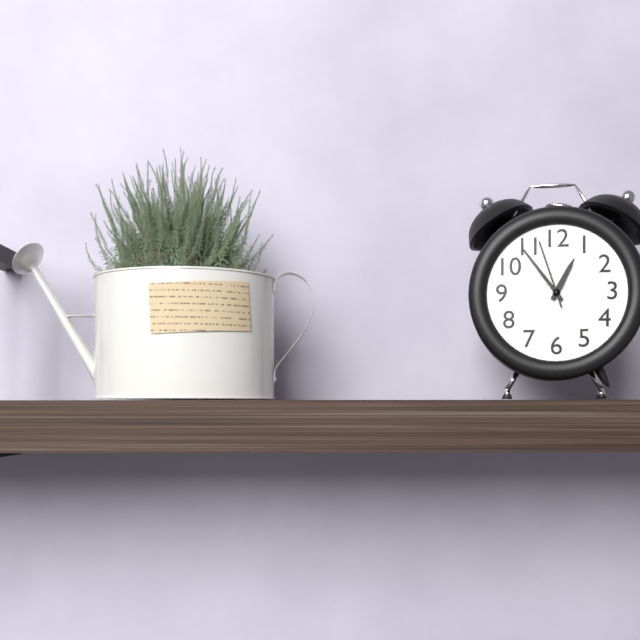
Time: 12h54m57s
